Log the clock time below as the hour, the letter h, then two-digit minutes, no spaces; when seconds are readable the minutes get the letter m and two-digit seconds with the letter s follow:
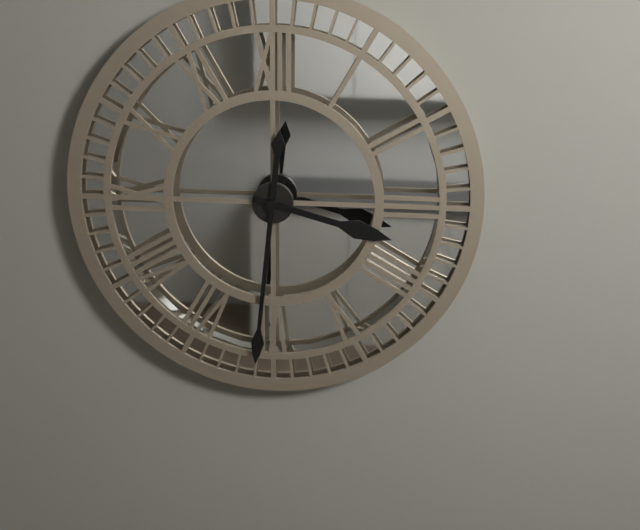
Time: 3h31
